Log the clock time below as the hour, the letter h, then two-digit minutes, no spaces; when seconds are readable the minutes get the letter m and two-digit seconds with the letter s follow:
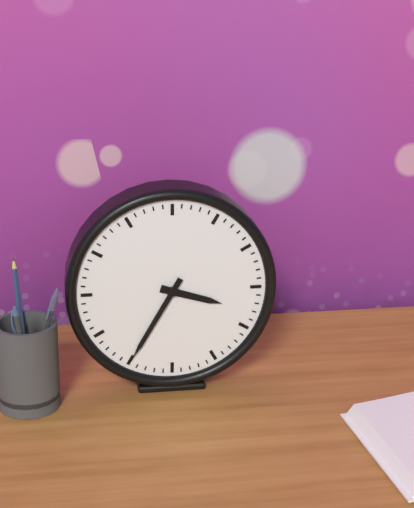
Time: 3h35
